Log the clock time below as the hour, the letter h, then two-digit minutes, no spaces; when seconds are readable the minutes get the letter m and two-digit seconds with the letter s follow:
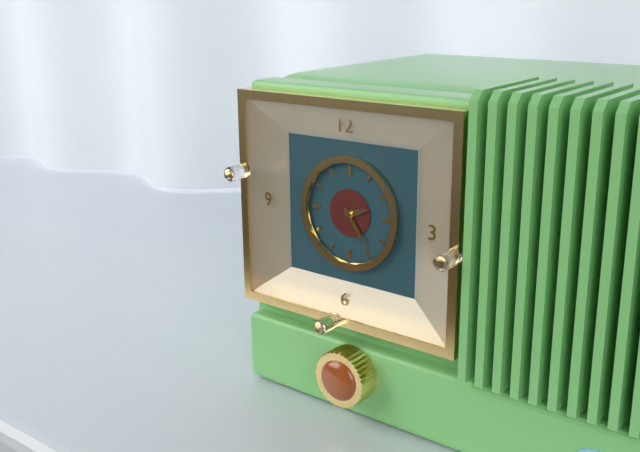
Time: 2h24
